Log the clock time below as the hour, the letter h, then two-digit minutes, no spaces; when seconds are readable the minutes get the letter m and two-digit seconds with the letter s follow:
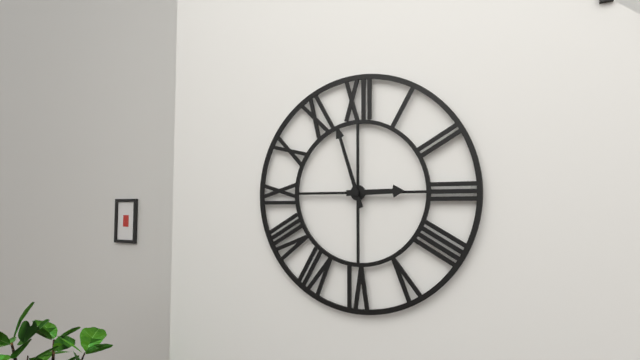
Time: 2h57
